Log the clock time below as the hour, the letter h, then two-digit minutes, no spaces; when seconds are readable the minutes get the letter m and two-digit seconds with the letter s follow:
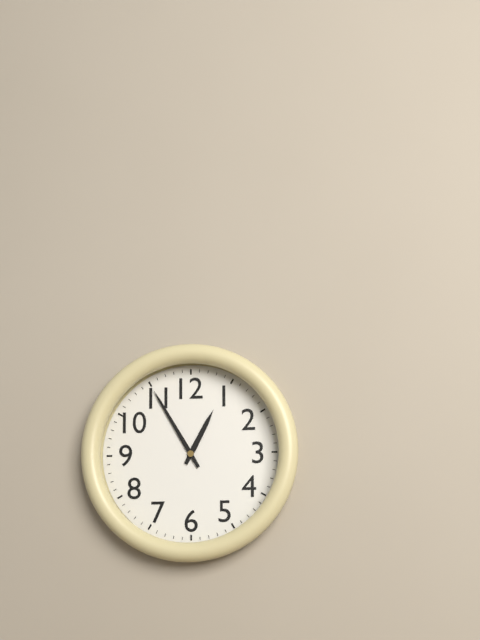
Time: 12h55
